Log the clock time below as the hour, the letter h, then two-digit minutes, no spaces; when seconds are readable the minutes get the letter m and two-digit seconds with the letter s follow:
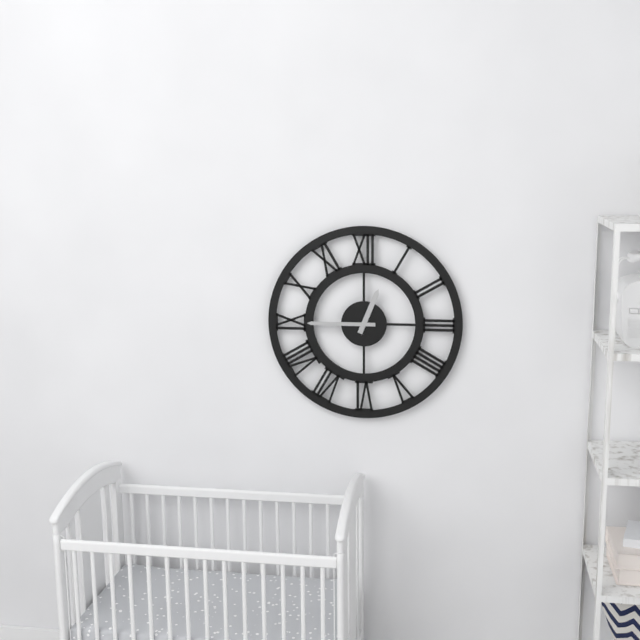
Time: 12h45
